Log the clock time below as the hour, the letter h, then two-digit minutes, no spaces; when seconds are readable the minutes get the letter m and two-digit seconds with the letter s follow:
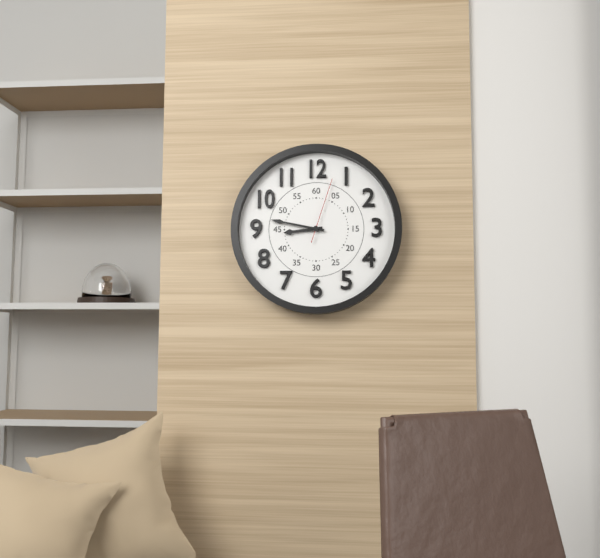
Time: 8h47m03s
